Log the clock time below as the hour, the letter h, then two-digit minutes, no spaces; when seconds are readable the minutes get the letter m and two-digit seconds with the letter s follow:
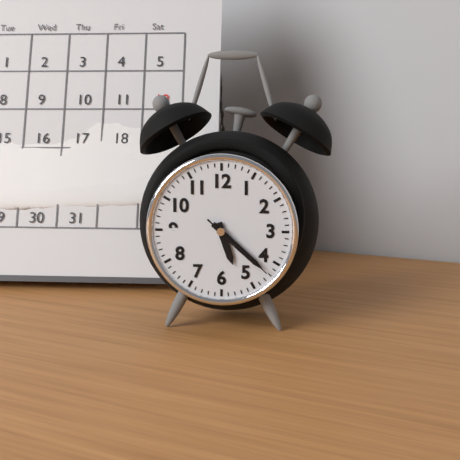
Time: 5h22m22s
